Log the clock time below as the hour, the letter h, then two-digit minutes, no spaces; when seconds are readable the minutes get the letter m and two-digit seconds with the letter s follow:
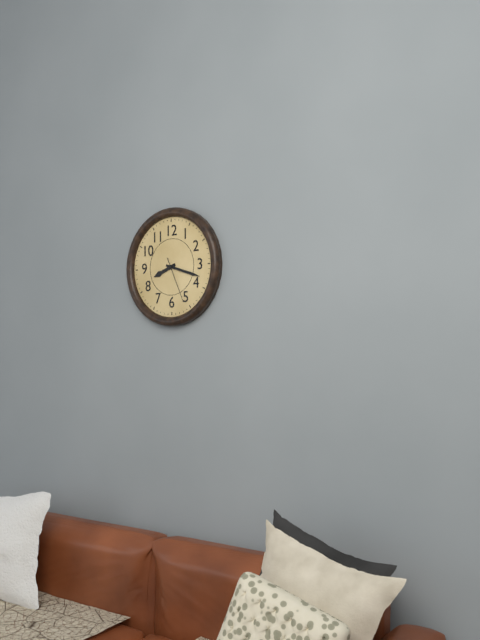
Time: 8h18
